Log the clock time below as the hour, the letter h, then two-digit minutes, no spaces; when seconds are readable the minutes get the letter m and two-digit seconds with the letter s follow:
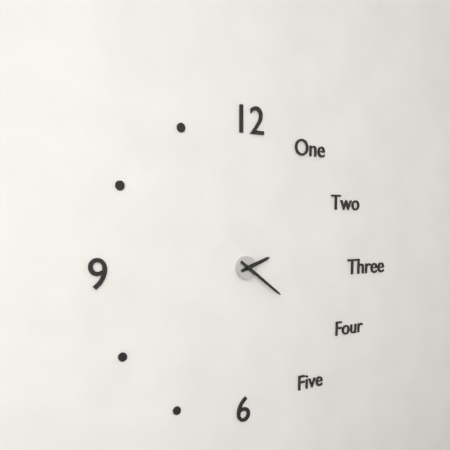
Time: 2h21
